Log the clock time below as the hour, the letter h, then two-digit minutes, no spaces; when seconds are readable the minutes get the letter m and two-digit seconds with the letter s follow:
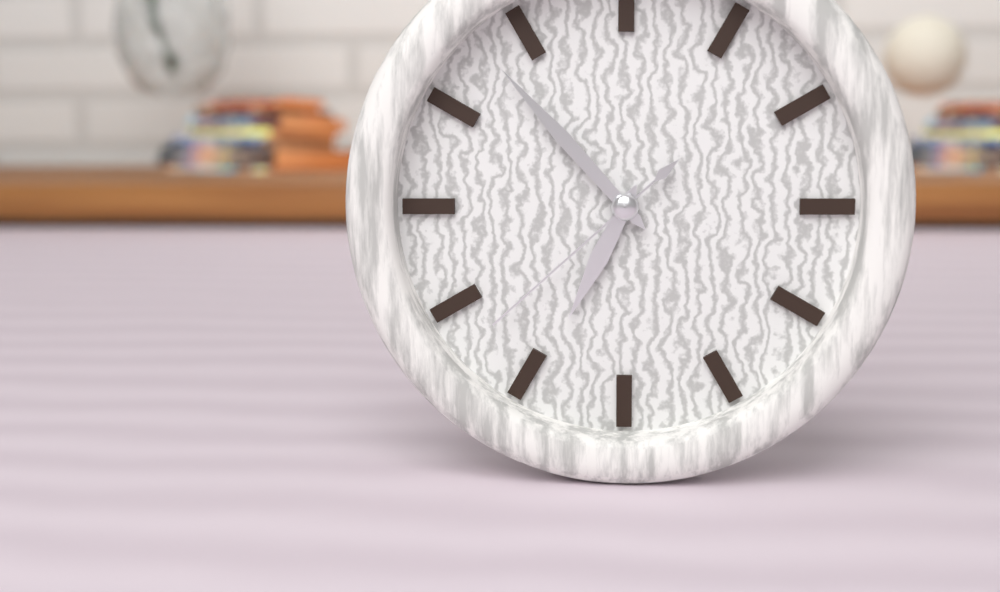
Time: 6h53m38s
